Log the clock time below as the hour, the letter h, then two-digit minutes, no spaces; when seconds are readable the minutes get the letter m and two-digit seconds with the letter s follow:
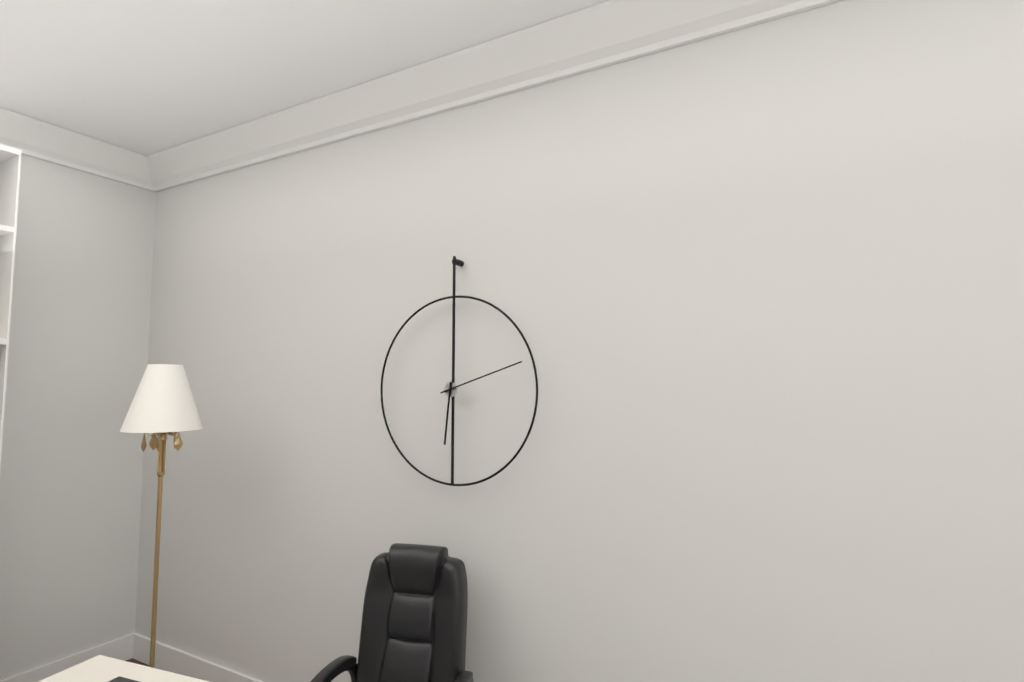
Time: 6h12
